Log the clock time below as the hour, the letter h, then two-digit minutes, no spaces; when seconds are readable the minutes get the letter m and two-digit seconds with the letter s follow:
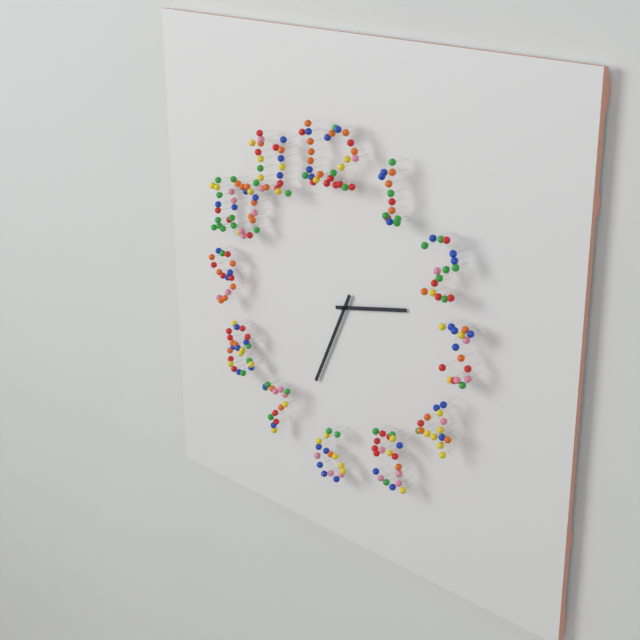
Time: 2h34
